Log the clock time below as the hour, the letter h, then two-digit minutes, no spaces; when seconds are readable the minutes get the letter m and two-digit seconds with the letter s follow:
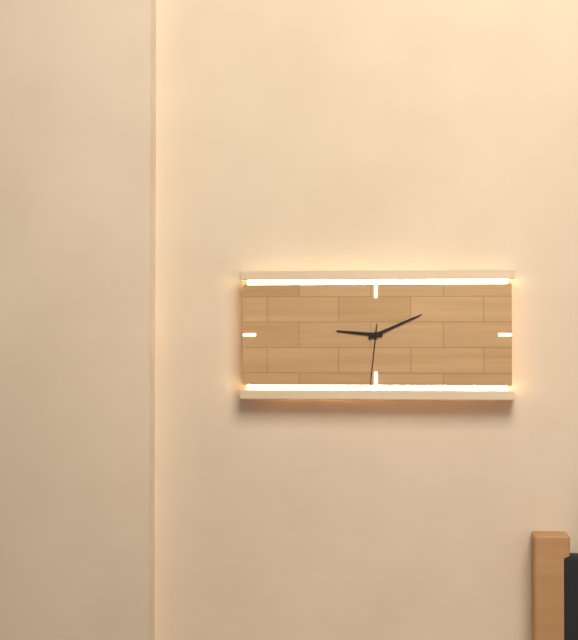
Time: 9h11m31s
